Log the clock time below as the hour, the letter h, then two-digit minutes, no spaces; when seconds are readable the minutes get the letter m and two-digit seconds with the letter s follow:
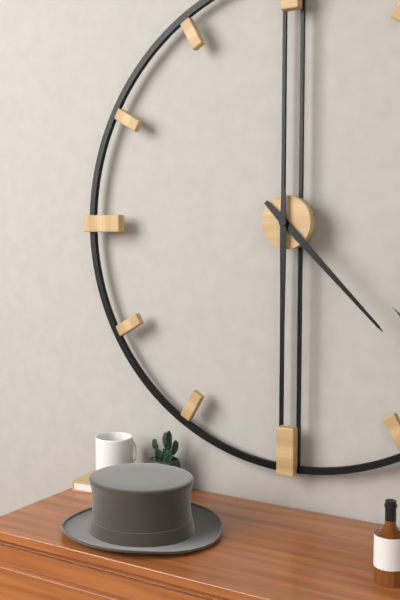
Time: 4h30
